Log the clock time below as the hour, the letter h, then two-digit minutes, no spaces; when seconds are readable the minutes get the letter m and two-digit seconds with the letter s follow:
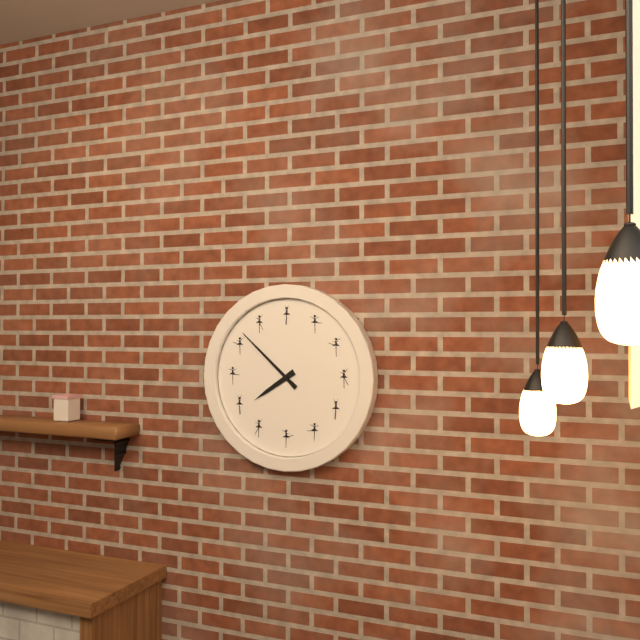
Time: 7h52
